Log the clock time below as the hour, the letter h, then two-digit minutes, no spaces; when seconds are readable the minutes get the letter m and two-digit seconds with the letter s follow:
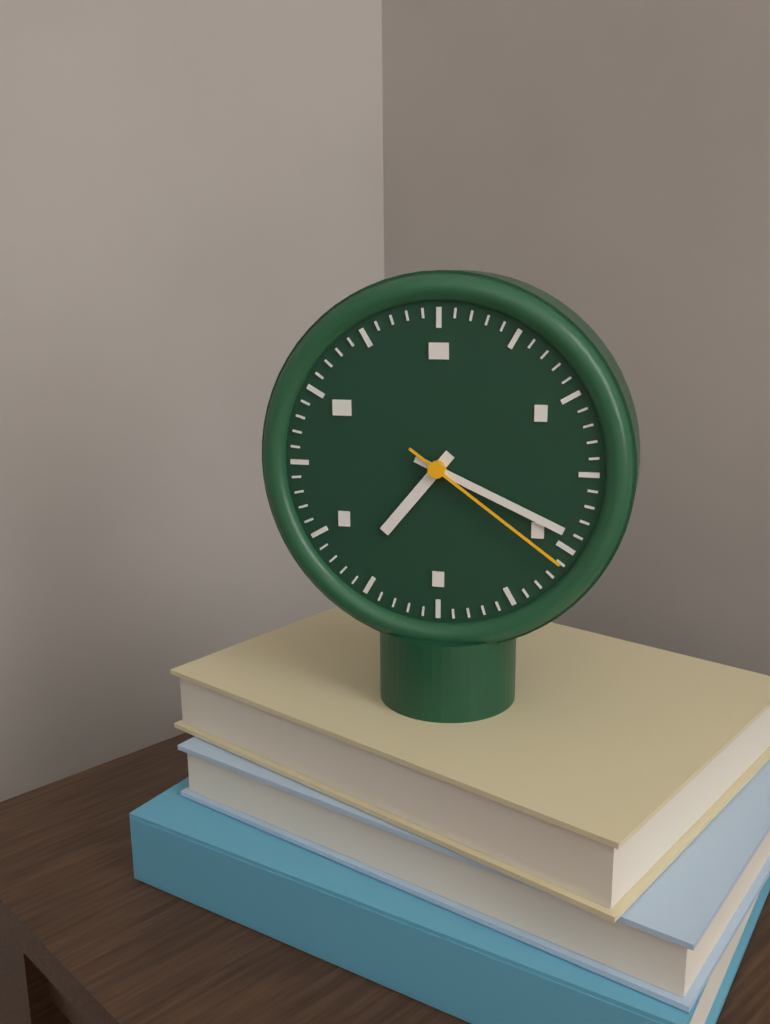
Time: 7h19m21s
